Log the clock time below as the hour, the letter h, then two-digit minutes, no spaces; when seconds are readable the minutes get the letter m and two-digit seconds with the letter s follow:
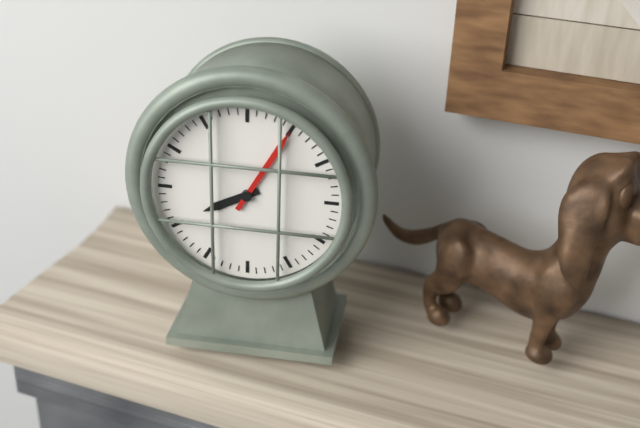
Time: 8h05
